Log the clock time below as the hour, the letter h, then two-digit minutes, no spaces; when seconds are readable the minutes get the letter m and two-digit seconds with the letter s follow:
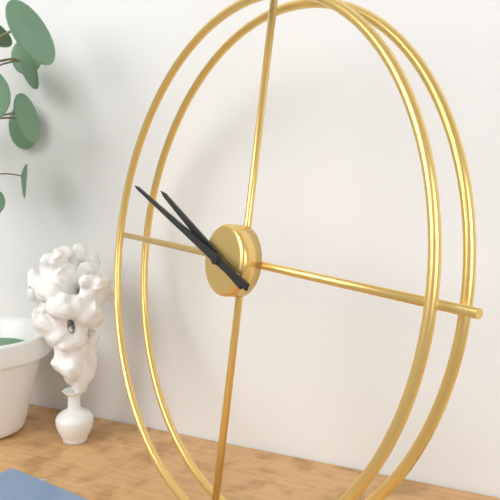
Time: 9h48
